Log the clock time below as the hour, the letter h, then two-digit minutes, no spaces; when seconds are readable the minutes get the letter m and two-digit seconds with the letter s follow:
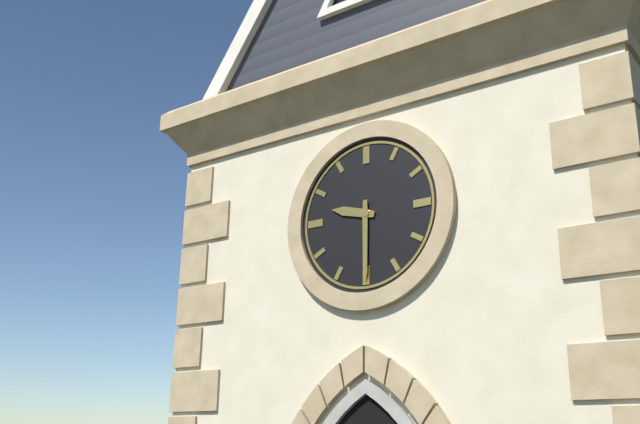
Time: 9h30
